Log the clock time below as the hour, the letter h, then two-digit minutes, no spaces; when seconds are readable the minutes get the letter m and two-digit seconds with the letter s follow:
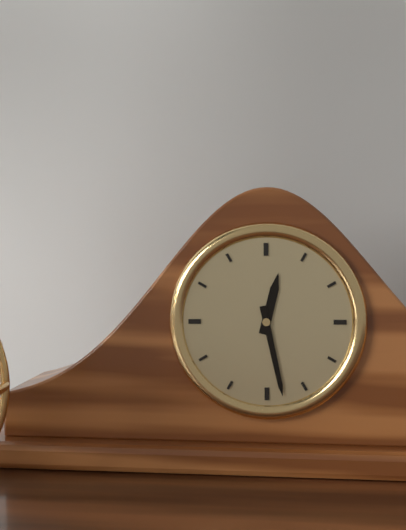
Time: 12h28
